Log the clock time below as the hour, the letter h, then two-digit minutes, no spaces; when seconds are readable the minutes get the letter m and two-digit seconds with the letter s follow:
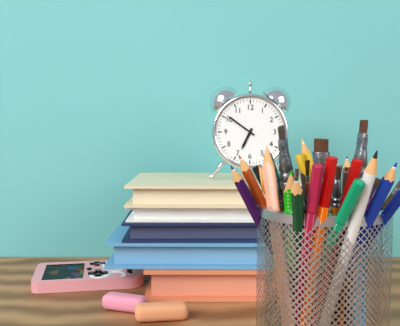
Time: 6h51
